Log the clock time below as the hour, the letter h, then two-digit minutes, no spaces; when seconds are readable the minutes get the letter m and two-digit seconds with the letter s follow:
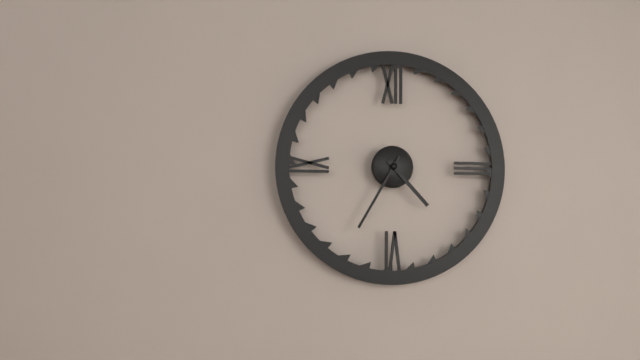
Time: 4h35
